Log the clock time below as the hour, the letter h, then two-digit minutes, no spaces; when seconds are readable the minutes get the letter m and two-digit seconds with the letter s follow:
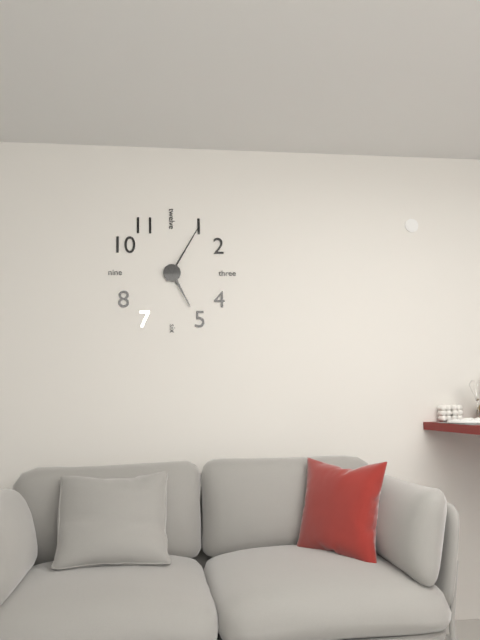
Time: 5h05
